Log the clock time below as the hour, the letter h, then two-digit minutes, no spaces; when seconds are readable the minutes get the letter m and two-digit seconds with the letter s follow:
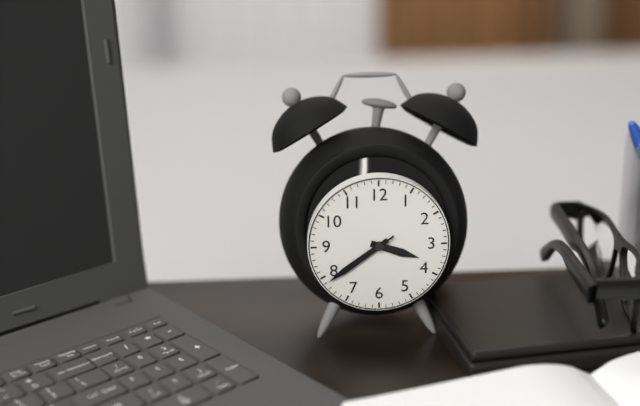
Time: 3h39m39s
